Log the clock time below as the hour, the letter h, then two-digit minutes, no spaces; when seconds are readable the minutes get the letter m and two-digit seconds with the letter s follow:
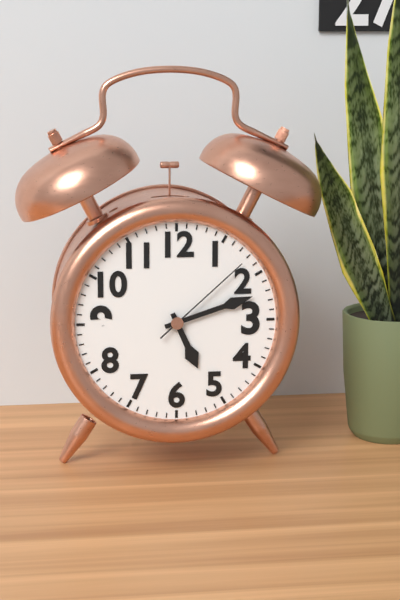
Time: 5h12m08s
